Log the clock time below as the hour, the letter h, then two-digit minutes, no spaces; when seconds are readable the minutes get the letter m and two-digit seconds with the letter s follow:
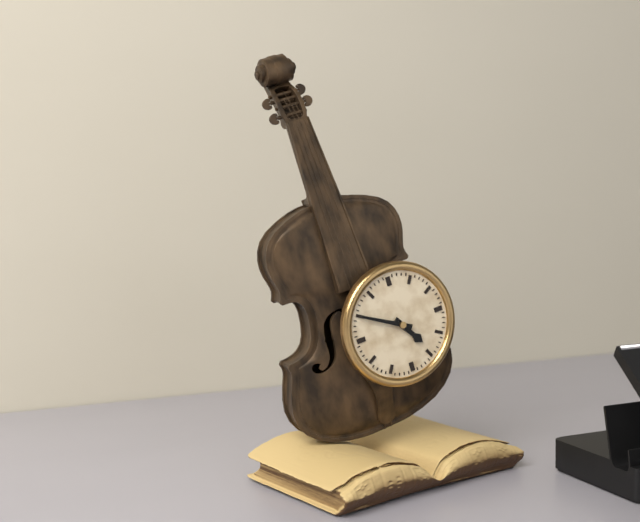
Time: 4h50
